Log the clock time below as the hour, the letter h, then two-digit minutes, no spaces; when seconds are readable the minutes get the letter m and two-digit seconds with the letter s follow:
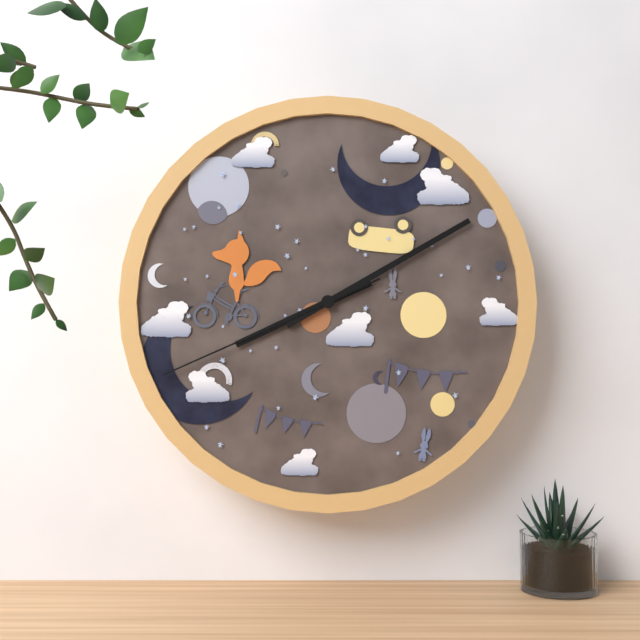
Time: 8h10m41s
